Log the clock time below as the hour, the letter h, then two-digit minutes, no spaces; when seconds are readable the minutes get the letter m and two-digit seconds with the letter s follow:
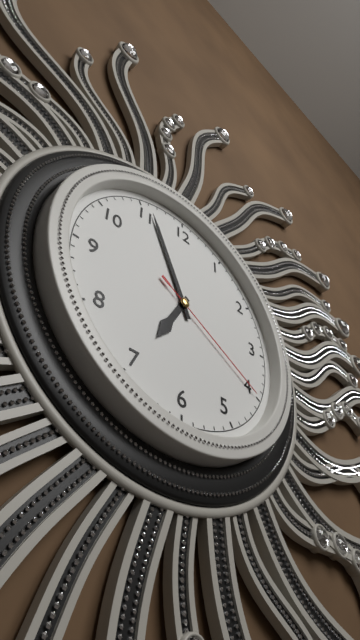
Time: 6h56m20s
